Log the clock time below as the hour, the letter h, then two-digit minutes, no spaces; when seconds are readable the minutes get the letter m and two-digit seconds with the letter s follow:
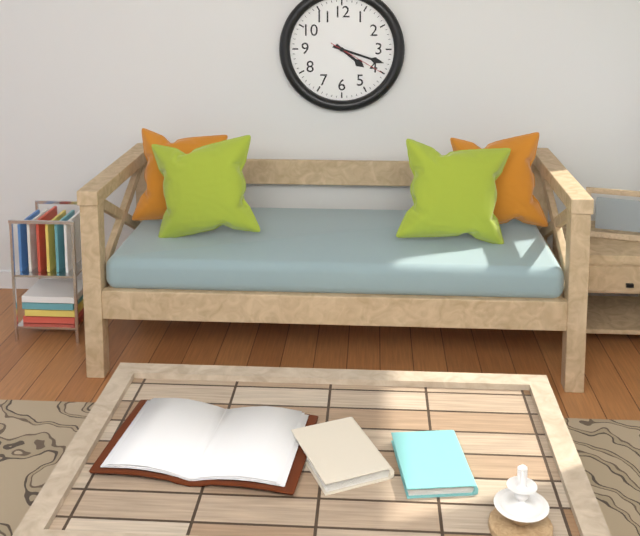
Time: 4h18m20s
